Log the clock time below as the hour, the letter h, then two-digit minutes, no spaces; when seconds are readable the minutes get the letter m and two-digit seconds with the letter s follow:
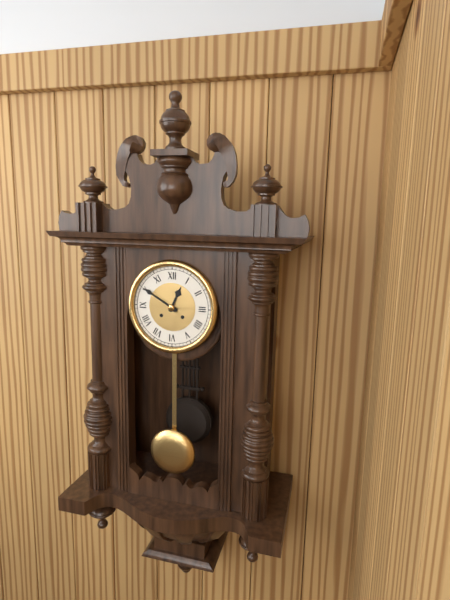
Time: 12h50
